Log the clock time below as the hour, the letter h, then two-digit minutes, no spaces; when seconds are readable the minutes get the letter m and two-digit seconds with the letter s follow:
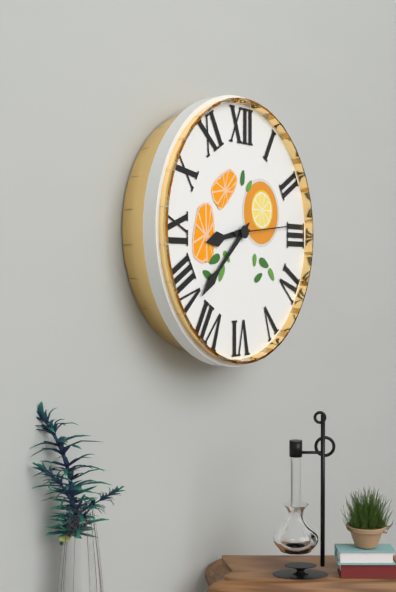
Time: 8h38m14s
